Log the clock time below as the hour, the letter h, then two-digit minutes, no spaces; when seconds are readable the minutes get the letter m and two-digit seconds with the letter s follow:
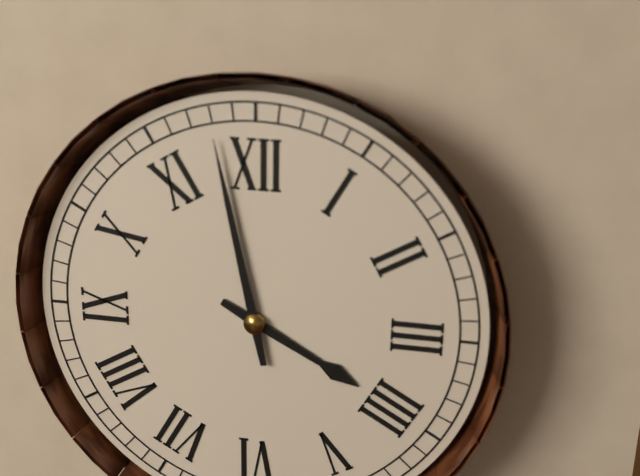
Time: 3h58
